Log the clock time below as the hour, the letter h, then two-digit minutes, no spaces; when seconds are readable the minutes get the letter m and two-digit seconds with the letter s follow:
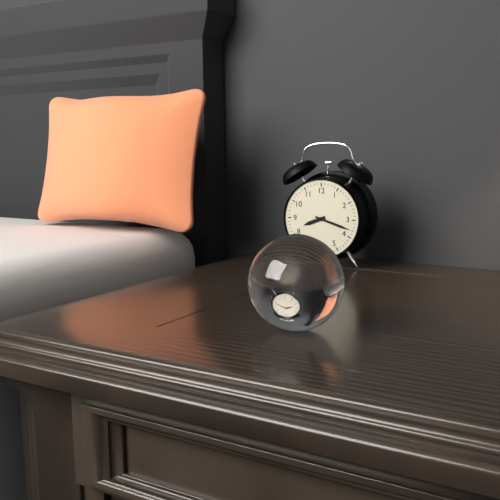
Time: 8h18
